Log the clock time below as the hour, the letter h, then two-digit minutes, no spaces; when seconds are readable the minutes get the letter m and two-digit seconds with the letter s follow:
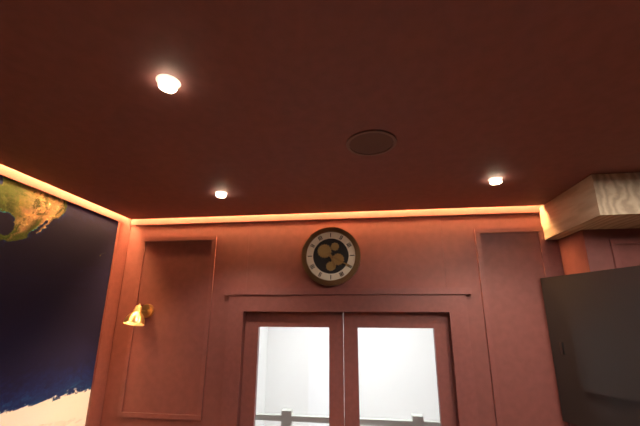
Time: 5h20
